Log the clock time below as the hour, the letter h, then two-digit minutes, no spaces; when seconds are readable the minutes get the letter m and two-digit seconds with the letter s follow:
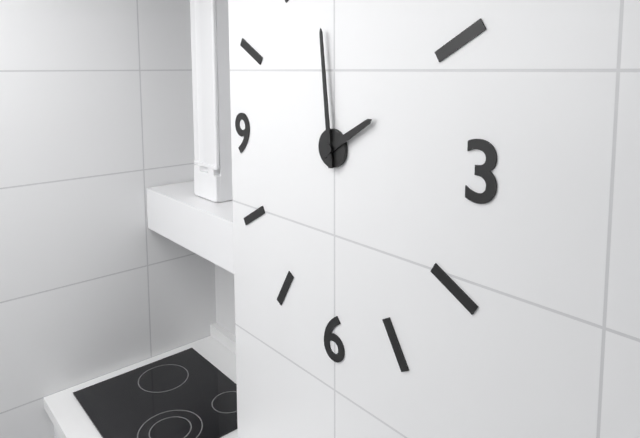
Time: 1h59
